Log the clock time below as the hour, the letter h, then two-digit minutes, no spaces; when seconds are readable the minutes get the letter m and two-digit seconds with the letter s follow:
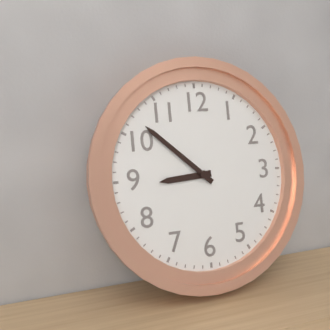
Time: 8h52
